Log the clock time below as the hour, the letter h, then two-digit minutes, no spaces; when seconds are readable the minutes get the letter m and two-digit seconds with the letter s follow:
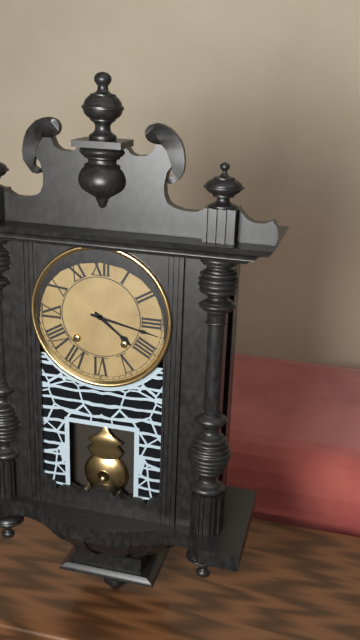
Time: 4h17
